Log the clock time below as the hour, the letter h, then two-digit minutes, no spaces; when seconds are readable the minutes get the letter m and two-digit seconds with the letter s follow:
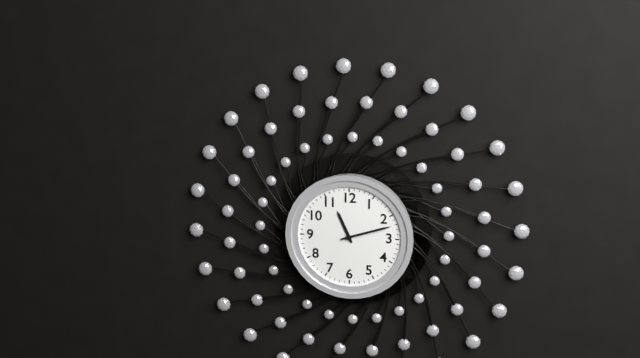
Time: 11h12
